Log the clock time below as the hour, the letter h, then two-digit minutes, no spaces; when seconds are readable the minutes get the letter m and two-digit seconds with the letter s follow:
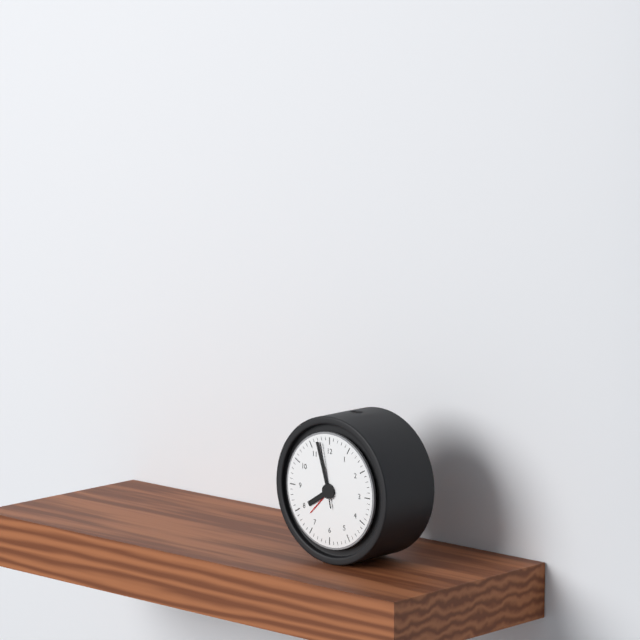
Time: 7h57m58s
